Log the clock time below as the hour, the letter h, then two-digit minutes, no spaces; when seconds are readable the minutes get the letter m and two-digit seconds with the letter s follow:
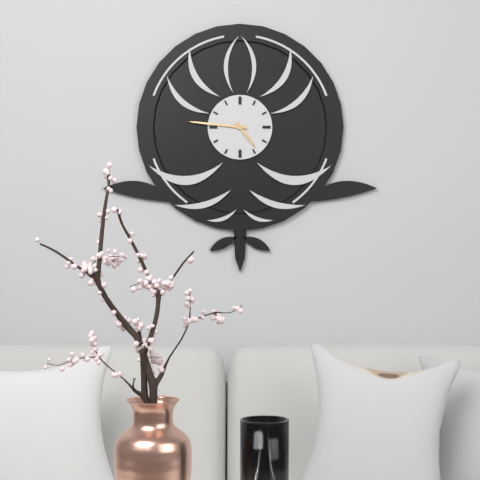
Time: 4h46
